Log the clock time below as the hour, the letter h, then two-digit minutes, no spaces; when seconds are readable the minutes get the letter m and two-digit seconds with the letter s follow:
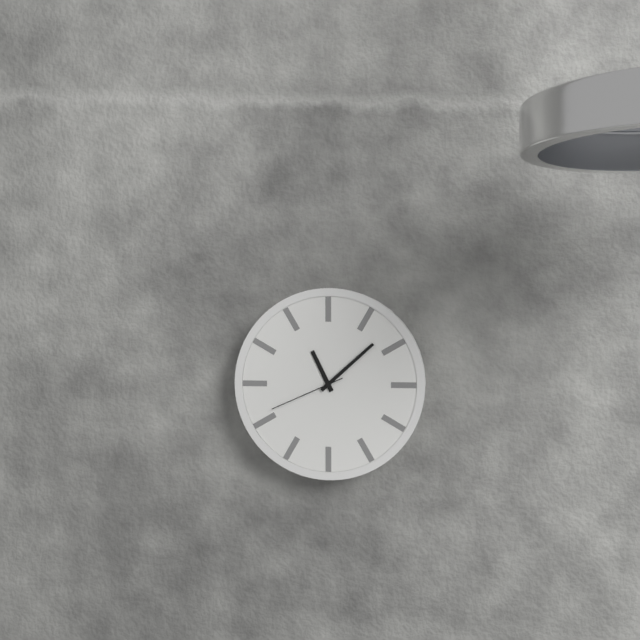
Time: 11h08m41s
